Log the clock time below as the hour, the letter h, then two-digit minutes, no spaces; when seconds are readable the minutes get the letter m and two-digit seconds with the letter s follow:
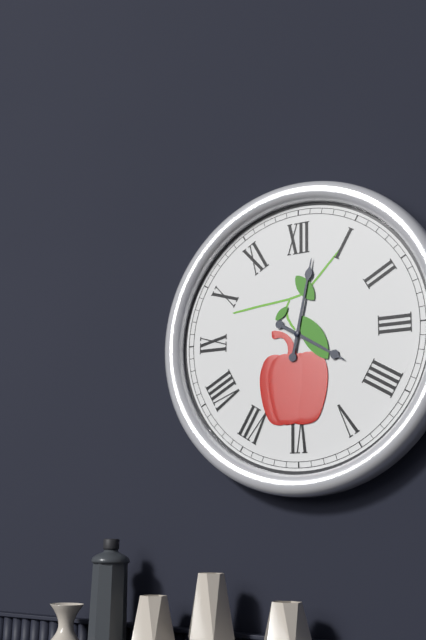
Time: 4h02
